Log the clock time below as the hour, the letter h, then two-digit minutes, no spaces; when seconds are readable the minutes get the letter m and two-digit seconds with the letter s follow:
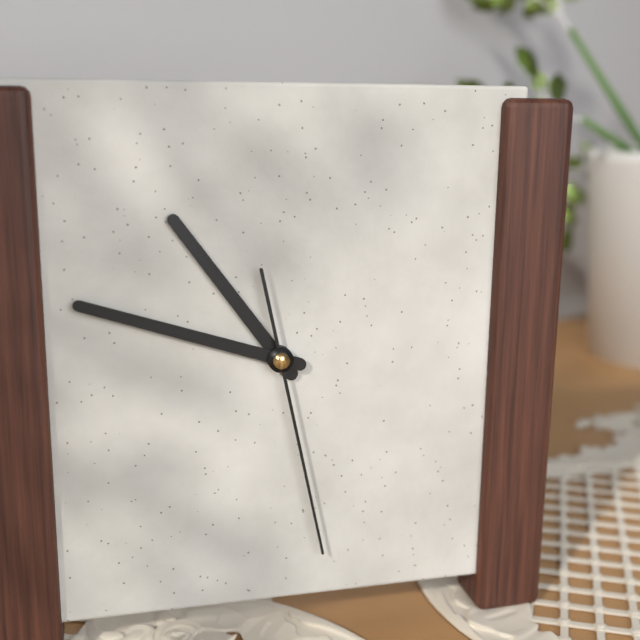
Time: 10h48m28s
